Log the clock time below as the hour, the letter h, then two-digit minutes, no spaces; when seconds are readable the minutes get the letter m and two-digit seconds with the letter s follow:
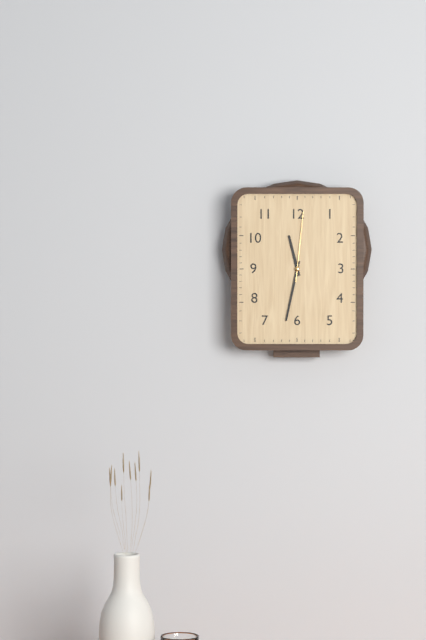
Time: 11h32m01s
